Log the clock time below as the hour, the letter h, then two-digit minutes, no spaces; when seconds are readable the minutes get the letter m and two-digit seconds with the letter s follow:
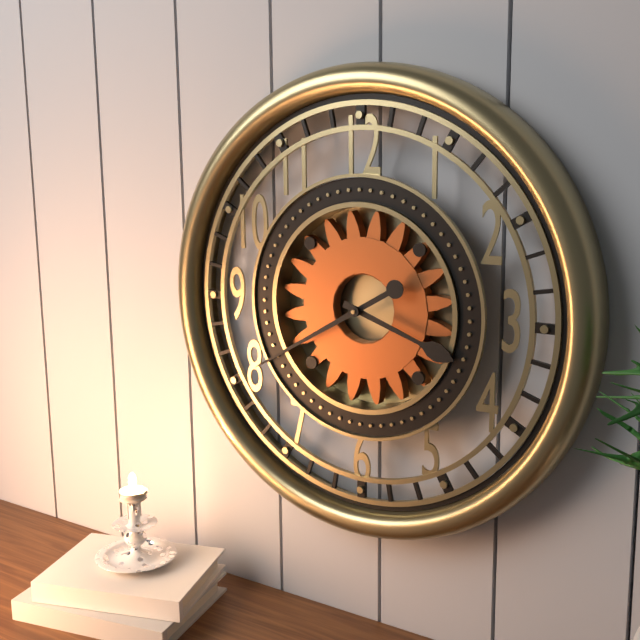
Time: 3h40
